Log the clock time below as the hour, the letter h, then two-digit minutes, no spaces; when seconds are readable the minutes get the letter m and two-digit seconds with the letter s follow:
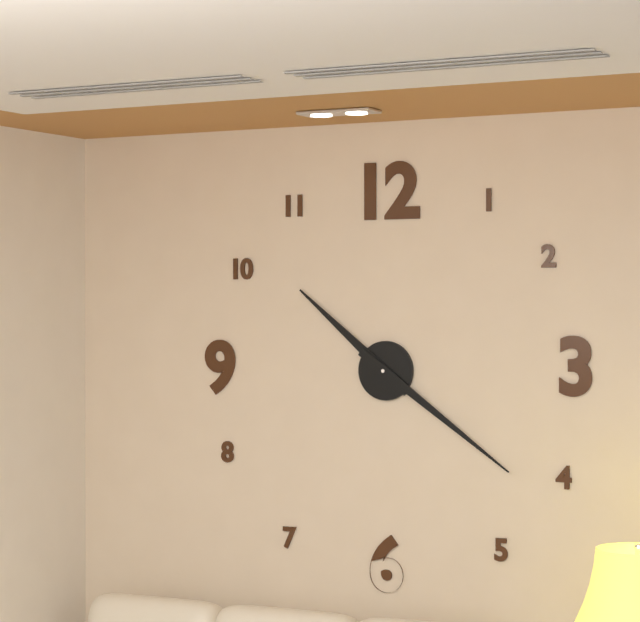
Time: 10h21
